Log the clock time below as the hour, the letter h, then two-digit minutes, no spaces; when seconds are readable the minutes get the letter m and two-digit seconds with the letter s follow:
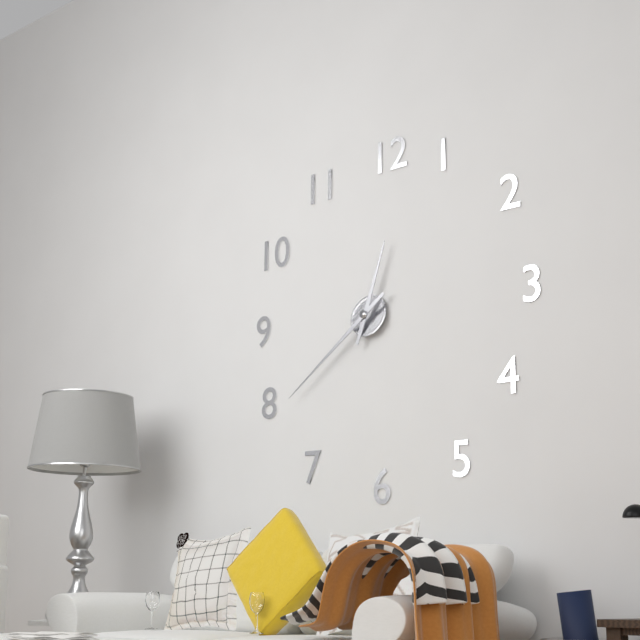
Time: 12h39
